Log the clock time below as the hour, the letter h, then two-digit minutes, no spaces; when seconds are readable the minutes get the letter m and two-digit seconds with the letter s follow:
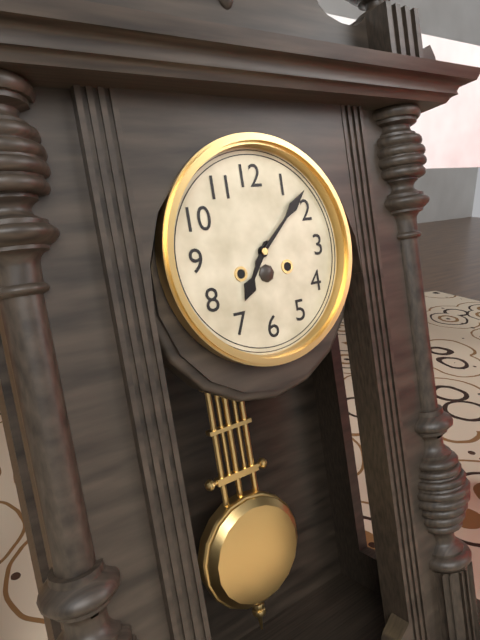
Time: 7h08
